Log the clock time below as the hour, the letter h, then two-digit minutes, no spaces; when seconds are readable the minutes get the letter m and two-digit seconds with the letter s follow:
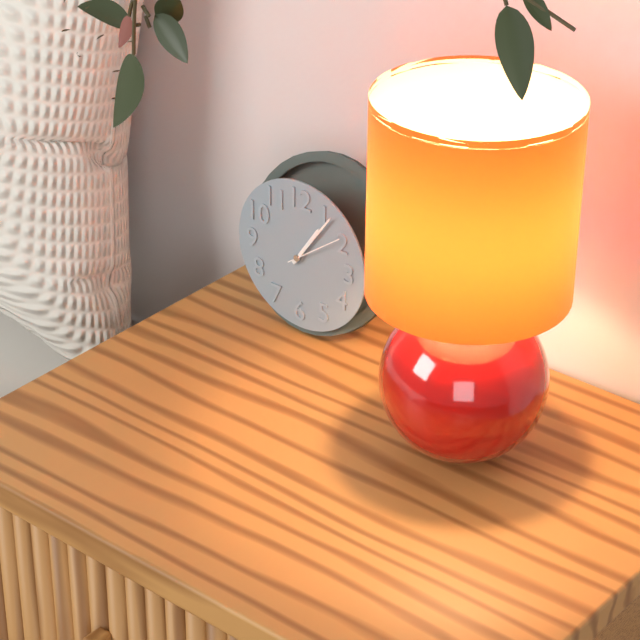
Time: 1h06m09s
